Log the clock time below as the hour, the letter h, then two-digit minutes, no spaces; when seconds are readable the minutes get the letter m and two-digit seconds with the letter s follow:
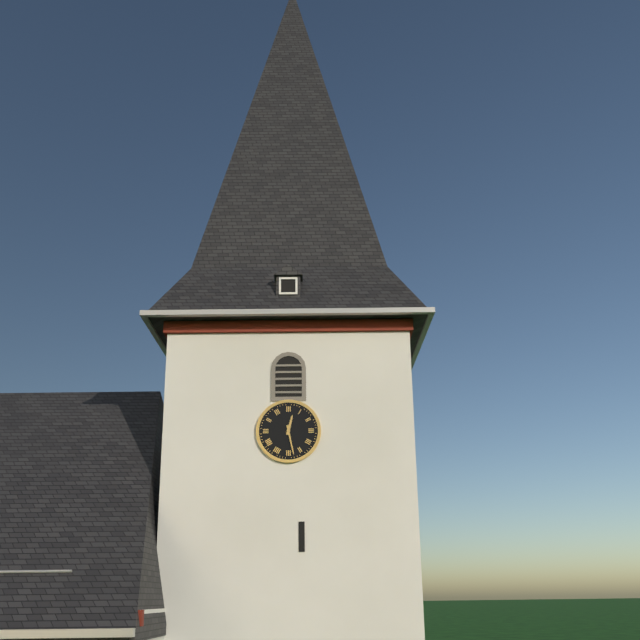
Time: 12h28
